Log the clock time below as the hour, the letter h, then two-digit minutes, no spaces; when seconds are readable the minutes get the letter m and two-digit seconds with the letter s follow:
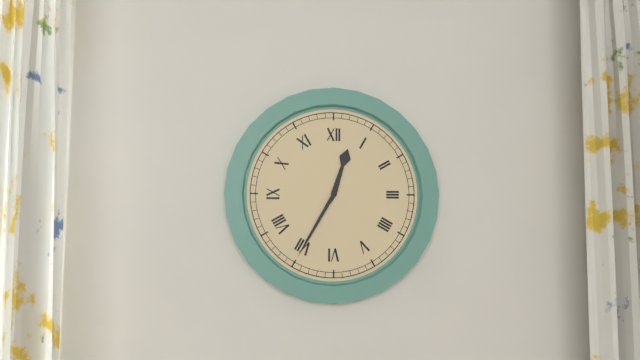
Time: 12h35
